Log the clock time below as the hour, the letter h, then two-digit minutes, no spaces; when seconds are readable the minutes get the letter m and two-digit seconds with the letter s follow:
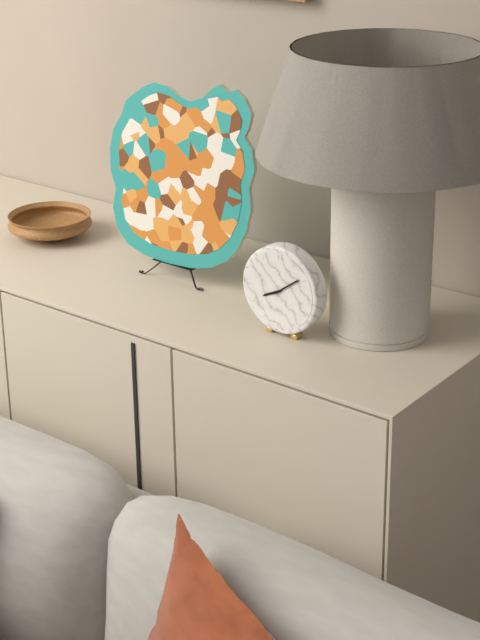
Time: 8h09
